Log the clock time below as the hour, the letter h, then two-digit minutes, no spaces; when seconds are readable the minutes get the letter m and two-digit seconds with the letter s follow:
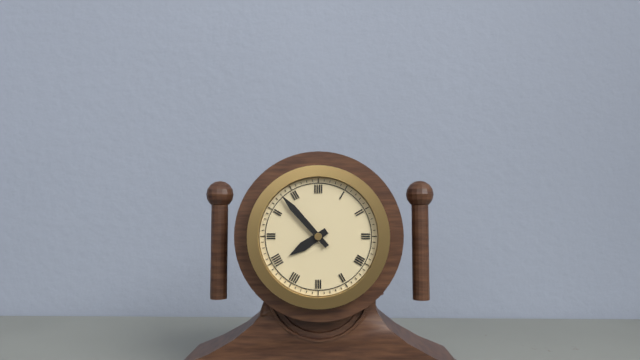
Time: 7h53
